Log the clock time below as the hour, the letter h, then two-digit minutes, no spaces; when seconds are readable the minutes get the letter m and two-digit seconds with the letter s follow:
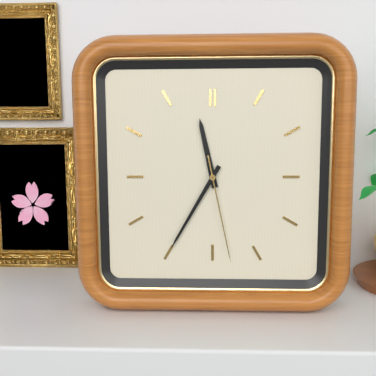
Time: 11h35m28s
